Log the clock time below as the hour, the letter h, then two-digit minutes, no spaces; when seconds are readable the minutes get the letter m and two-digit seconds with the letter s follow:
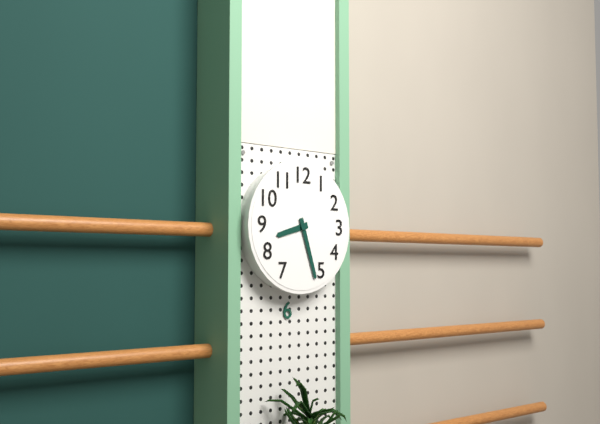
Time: 8h27
